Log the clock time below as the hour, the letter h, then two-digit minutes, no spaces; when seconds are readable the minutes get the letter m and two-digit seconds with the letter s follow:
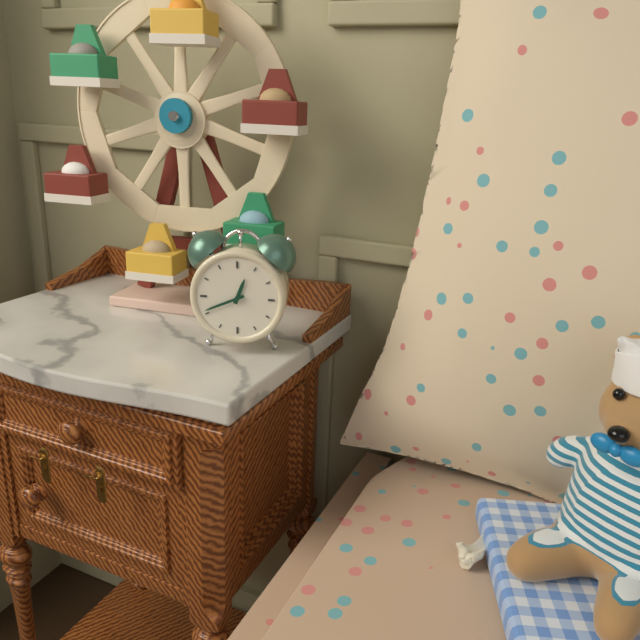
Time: 12h41
